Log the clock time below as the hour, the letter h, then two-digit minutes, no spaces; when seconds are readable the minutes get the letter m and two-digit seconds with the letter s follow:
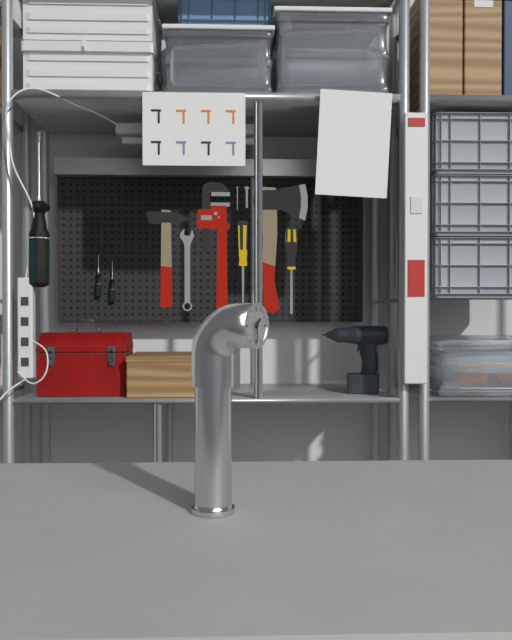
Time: 1h30
